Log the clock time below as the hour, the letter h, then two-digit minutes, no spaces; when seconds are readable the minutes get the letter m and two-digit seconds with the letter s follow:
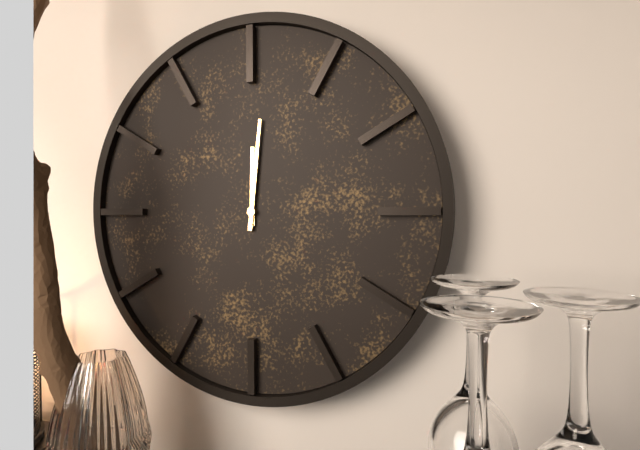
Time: 12h01
